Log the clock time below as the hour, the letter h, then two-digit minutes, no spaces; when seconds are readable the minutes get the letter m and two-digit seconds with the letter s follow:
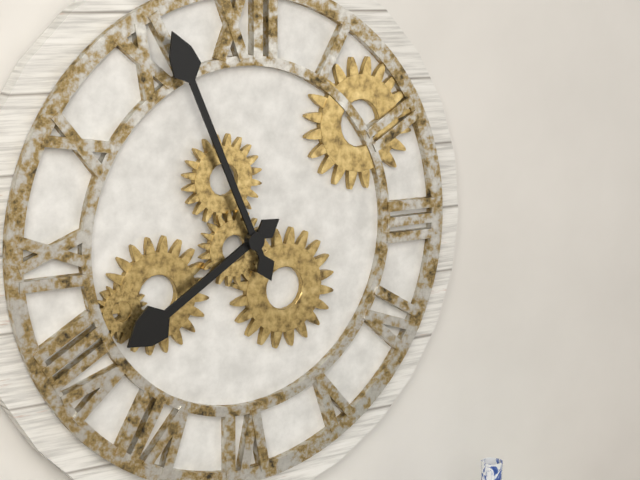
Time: 7h56
